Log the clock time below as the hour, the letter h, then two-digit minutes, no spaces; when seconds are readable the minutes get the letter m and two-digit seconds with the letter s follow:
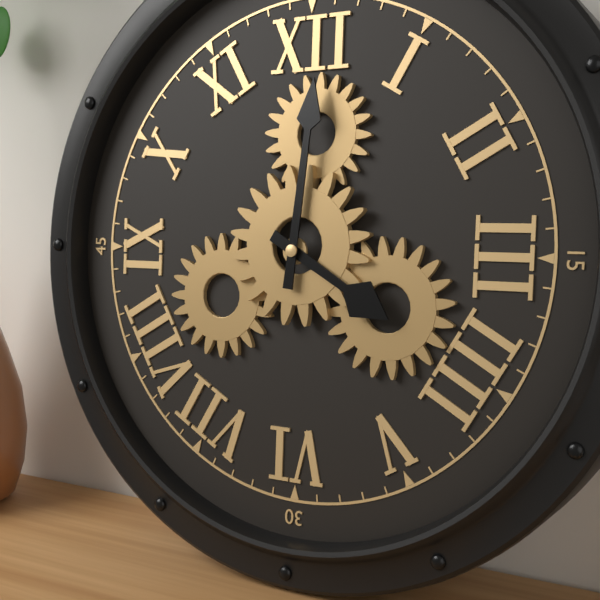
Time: 4h01
